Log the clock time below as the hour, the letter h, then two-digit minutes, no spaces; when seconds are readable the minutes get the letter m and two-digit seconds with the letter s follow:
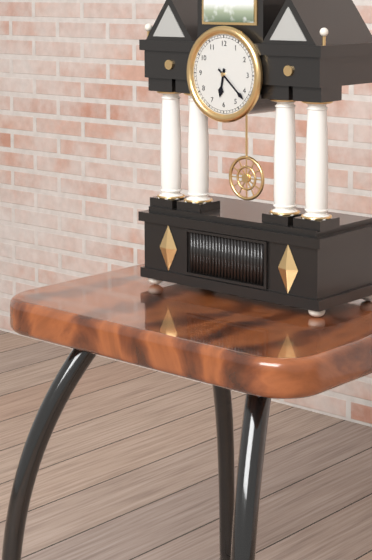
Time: 6h22
